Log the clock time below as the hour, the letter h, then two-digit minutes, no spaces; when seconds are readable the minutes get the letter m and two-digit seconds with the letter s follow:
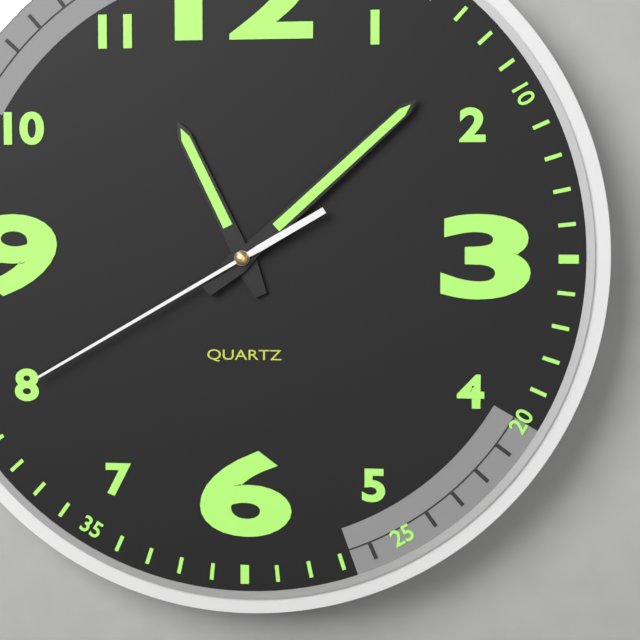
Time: 11h08m40s
